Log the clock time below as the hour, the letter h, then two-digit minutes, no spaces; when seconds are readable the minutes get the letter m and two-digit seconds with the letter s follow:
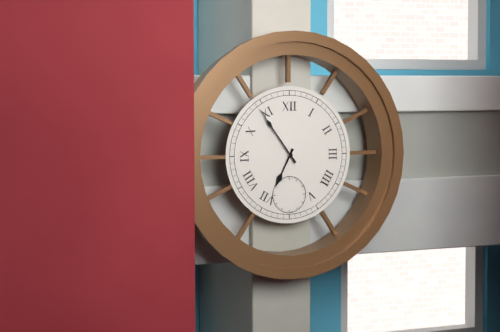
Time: 6h54
